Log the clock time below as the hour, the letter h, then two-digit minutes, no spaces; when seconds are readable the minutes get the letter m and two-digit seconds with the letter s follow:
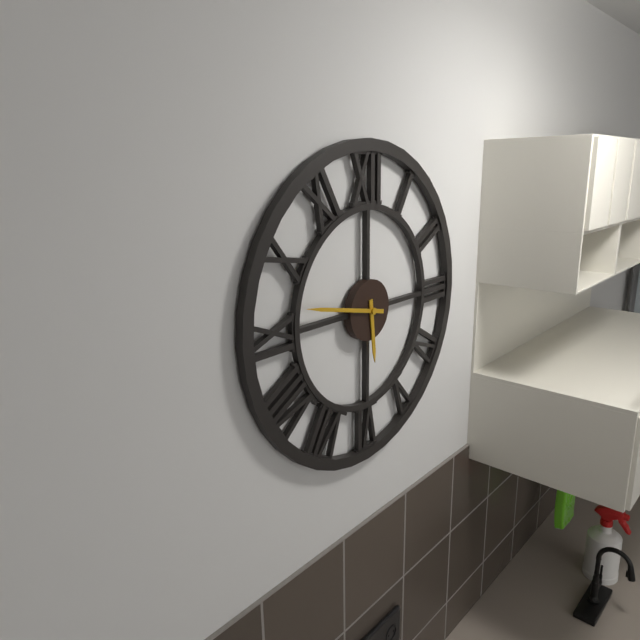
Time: 5h47
